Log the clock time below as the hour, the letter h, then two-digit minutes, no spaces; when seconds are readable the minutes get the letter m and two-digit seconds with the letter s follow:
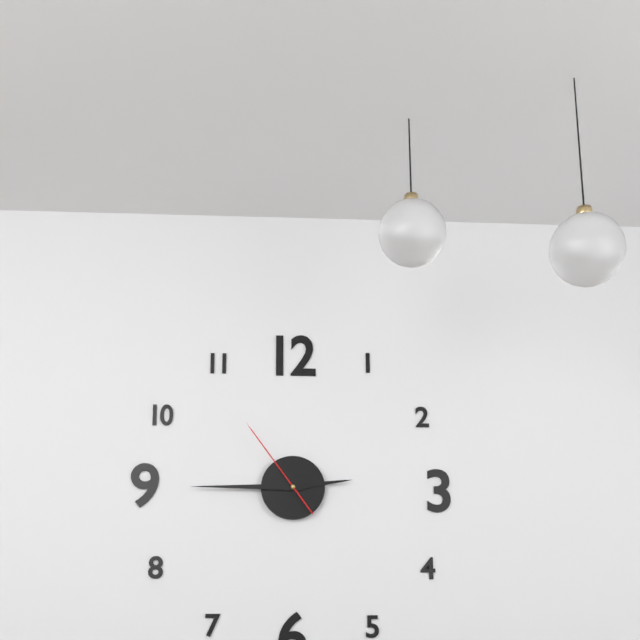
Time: 2h45m54s
